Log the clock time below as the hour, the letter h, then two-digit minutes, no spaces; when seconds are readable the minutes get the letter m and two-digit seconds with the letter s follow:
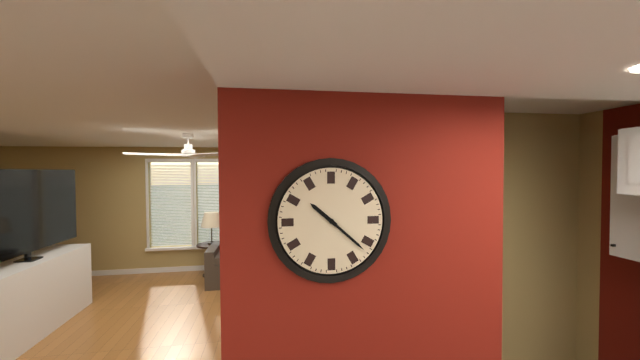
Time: 10h22
